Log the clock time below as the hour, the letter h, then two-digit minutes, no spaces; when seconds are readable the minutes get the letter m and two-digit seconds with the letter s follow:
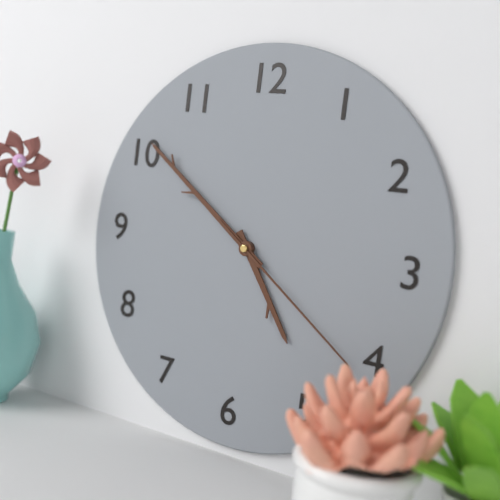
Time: 4h51m21s
